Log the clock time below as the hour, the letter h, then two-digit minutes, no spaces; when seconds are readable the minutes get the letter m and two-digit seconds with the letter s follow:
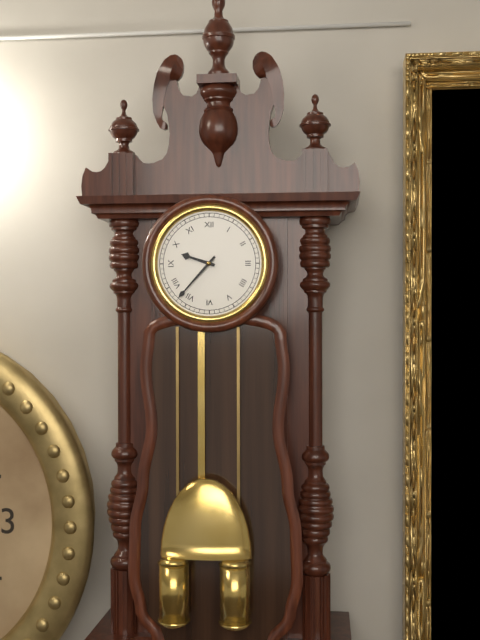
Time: 9h37
